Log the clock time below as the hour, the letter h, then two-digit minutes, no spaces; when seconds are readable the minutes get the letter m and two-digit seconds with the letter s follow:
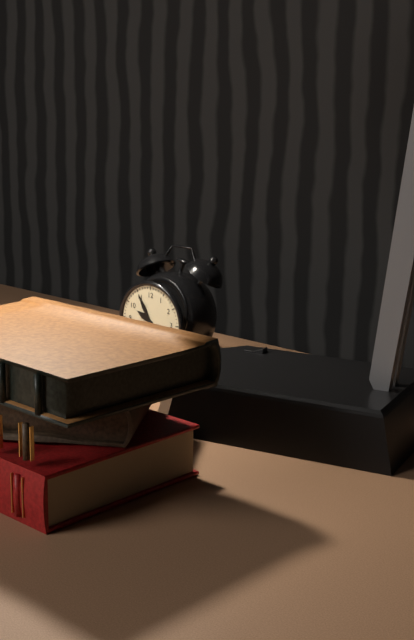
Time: 9h55
